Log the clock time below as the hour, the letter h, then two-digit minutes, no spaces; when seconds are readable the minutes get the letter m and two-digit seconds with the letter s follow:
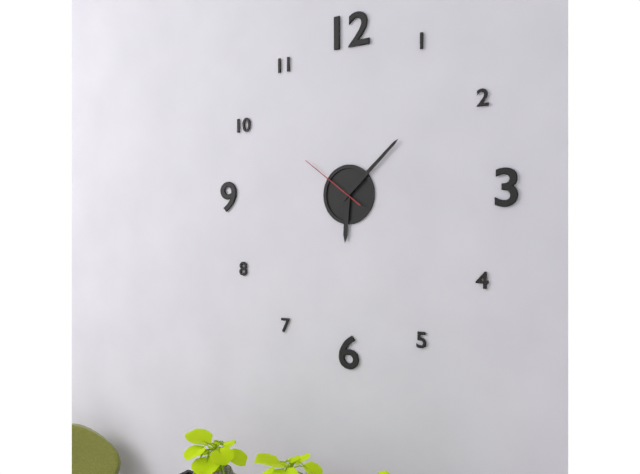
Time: 6h08m51s
